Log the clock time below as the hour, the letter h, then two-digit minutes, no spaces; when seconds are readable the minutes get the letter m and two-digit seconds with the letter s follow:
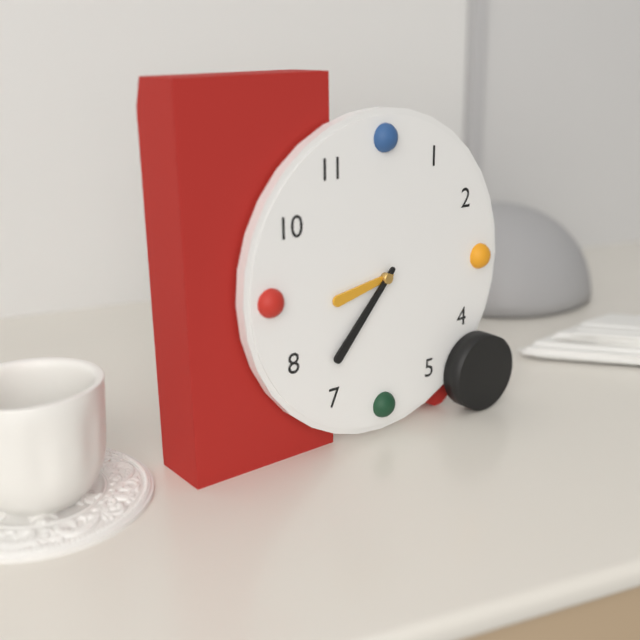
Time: 8h37
